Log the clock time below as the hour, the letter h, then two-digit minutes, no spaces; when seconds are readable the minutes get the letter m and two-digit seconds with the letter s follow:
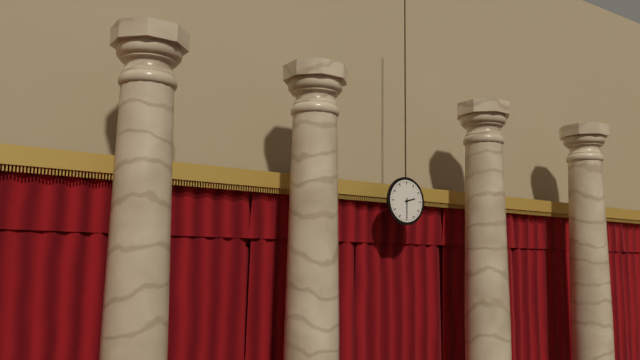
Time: 2h30
